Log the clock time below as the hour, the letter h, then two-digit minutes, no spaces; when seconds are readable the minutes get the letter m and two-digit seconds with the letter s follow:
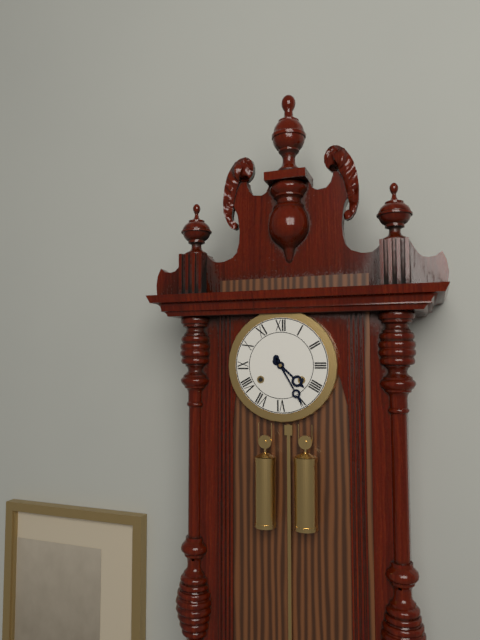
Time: 4h25
